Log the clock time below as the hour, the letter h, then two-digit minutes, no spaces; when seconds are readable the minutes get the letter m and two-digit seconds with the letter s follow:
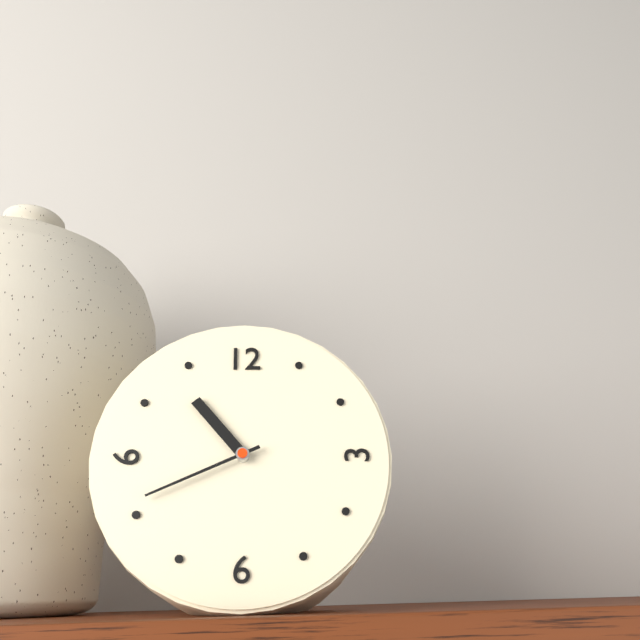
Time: 10h41
